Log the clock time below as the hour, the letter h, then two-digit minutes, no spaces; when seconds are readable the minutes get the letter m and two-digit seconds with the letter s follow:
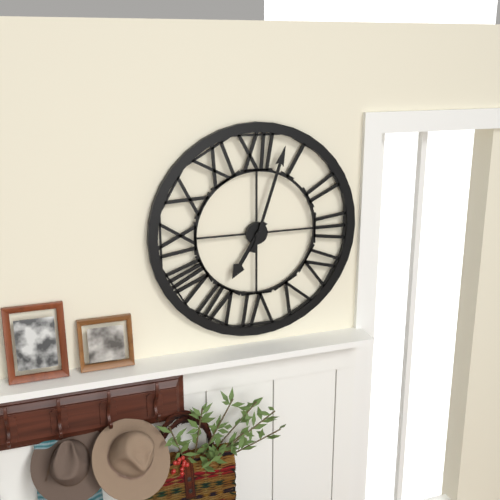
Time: 7h03
